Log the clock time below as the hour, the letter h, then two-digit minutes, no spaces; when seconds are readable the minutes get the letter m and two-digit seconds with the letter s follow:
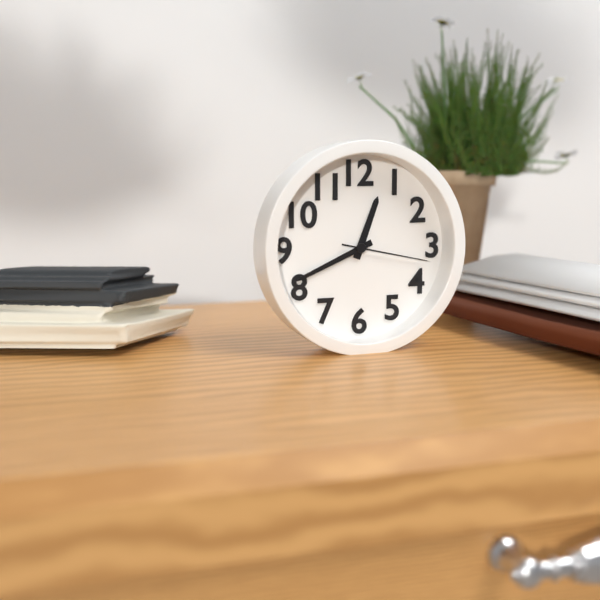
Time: 12h41m17s
